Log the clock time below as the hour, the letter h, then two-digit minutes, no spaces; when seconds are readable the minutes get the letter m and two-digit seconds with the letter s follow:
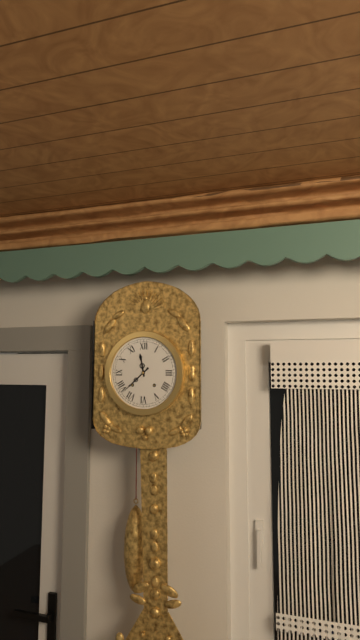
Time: 11h38
